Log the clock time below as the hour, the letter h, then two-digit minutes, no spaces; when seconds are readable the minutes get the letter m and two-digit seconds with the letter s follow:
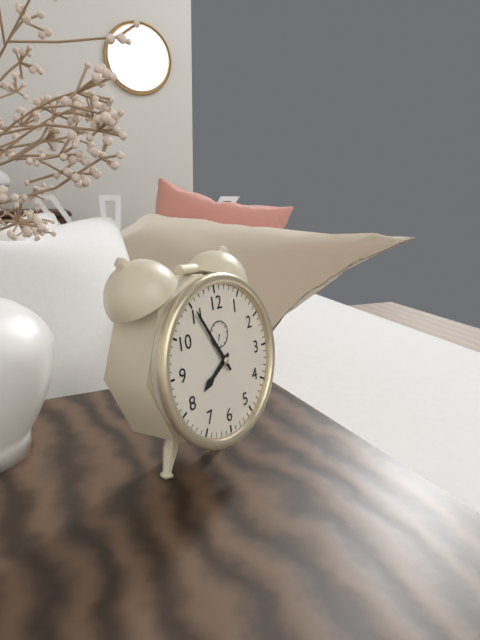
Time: 7h55
